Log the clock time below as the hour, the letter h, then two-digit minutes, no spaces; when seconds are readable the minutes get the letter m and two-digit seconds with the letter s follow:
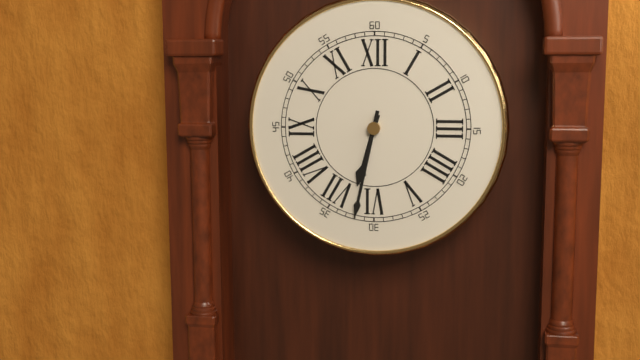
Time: 6h32
